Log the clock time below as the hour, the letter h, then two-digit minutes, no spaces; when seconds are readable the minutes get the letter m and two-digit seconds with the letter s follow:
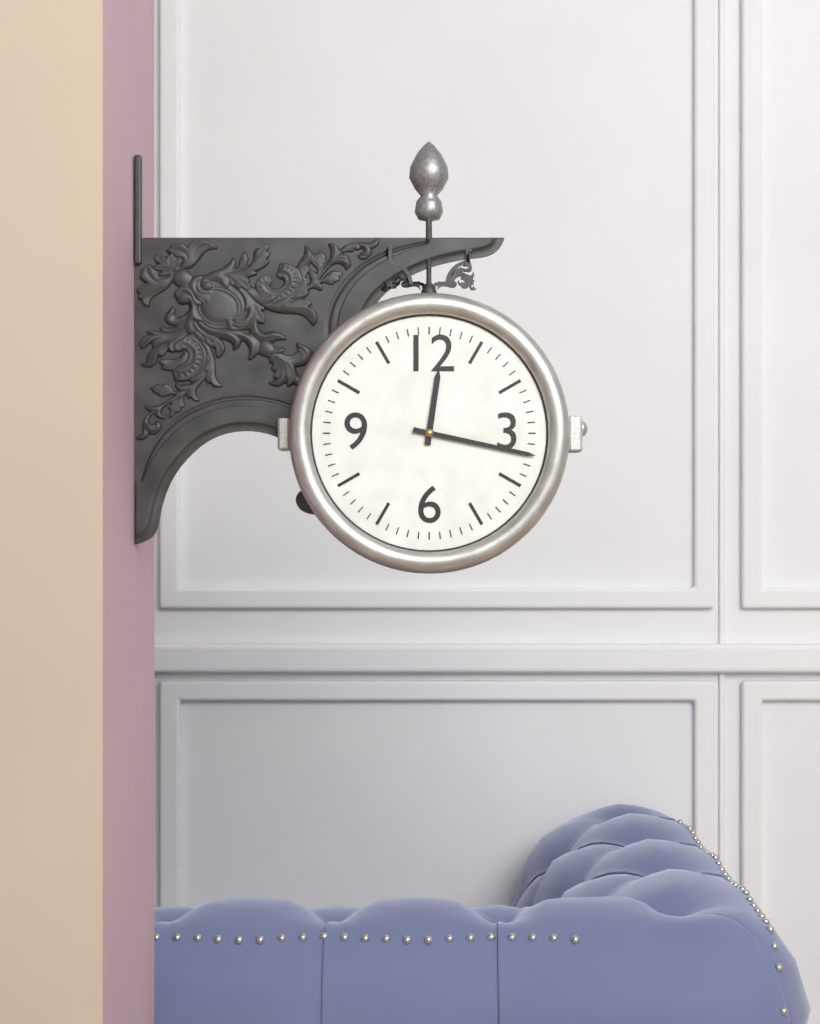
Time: 12h17
